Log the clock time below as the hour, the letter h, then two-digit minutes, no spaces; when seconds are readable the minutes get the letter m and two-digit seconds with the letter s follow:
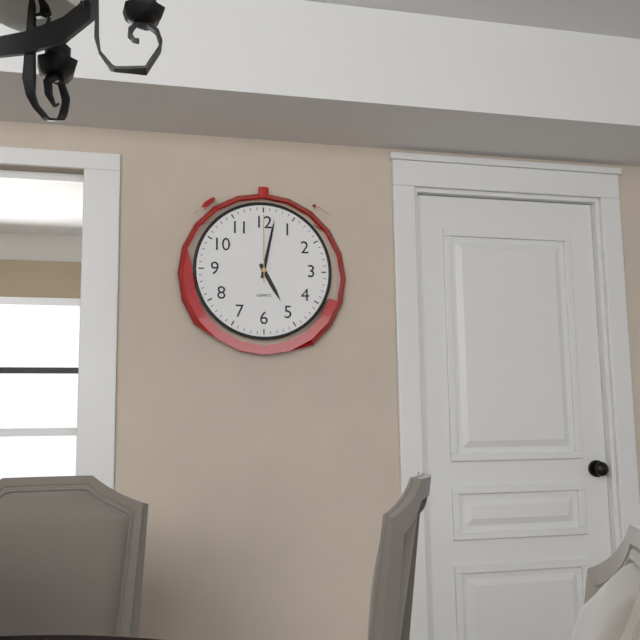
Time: 5h02m00s
